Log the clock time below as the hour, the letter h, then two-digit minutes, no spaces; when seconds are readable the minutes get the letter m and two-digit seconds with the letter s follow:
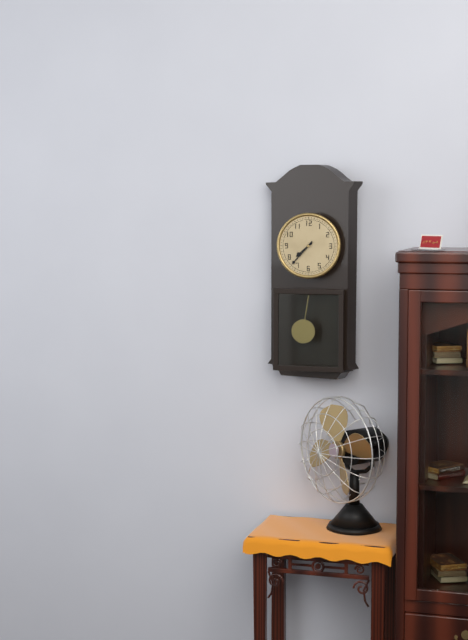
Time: 7h37
